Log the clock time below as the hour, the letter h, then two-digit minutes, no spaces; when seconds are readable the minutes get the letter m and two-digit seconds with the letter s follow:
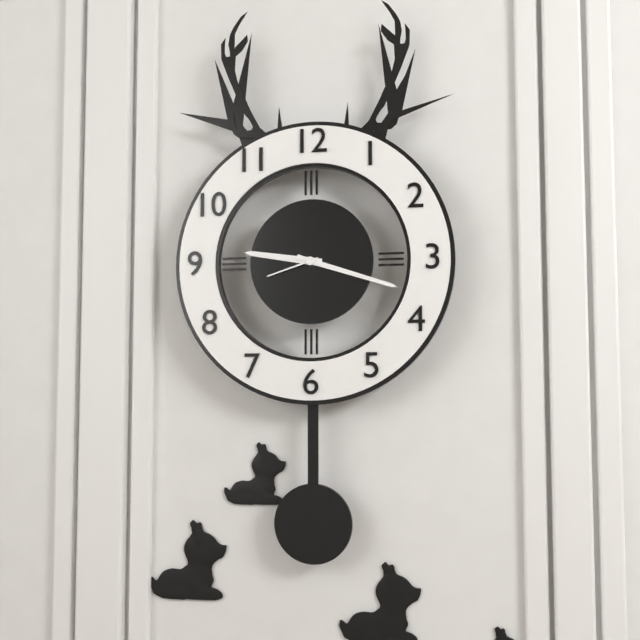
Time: 9h18m42s
